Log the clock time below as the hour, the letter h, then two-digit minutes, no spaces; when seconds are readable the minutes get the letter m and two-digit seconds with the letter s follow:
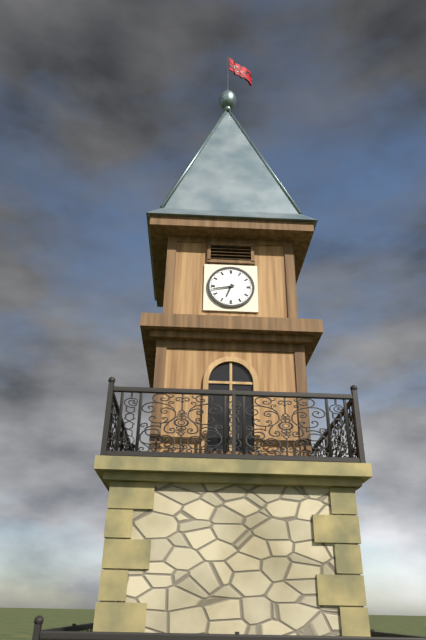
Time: 6h43
